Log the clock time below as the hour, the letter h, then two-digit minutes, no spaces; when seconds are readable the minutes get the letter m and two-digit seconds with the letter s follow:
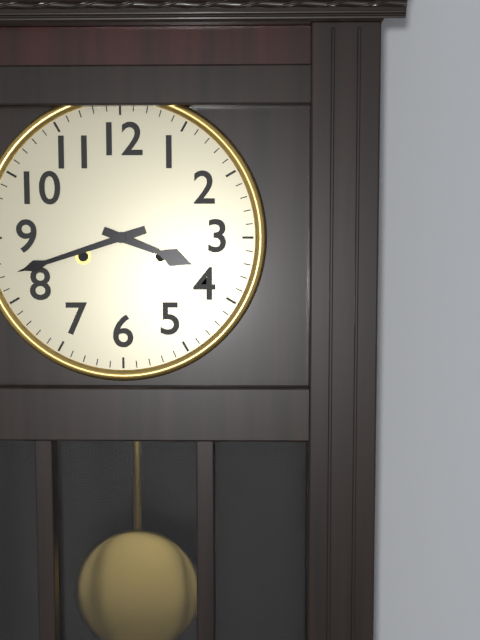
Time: 3h42
